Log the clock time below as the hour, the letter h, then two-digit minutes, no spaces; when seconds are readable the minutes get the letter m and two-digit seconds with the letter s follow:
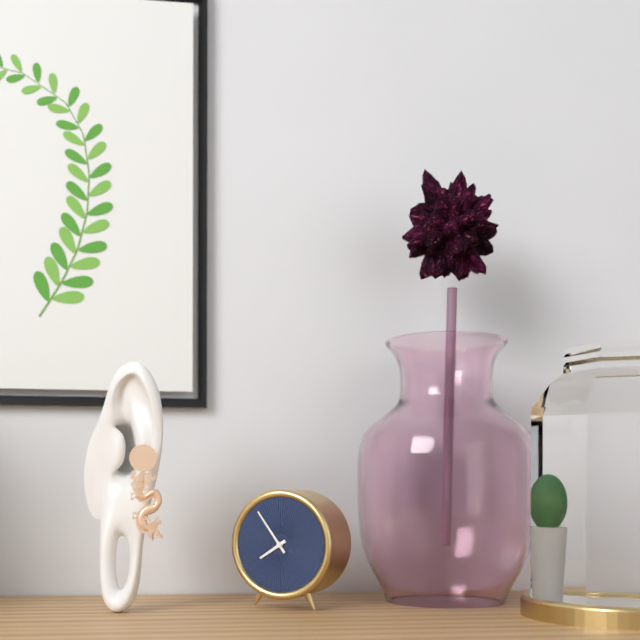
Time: 7h54
